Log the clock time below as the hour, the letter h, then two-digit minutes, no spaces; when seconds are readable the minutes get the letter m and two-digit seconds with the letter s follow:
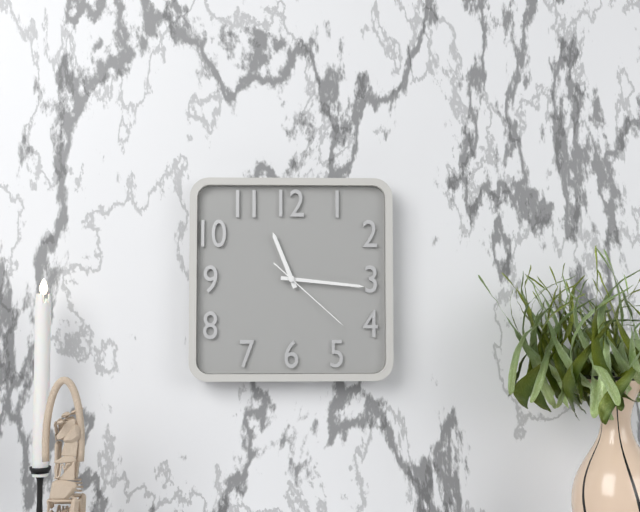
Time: 11h16m22s
